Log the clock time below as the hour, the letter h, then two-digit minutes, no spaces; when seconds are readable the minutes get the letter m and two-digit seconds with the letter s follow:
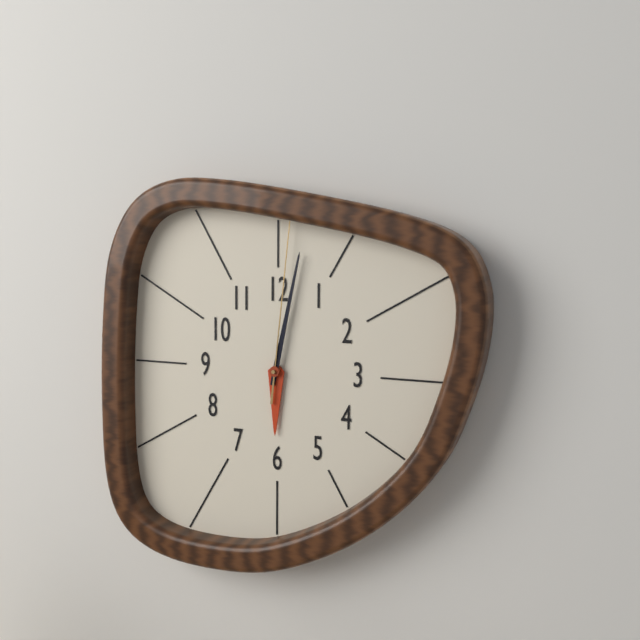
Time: 6h02m01s
